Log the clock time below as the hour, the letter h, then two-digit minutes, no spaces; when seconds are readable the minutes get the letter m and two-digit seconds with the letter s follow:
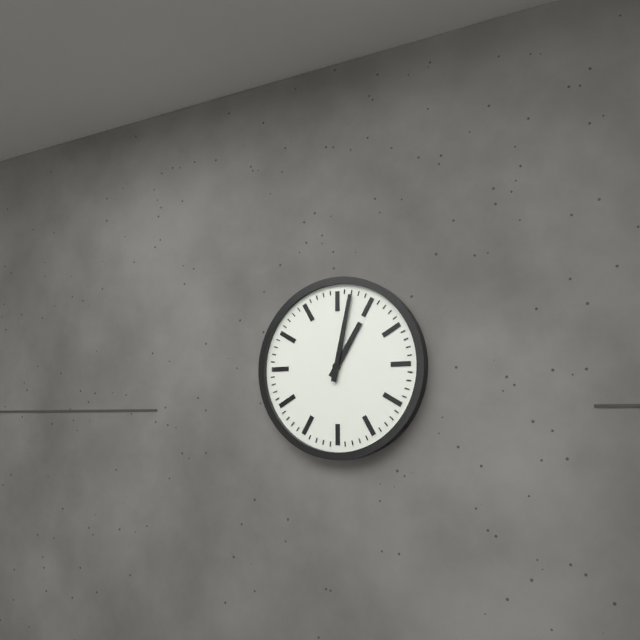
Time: 1h02
